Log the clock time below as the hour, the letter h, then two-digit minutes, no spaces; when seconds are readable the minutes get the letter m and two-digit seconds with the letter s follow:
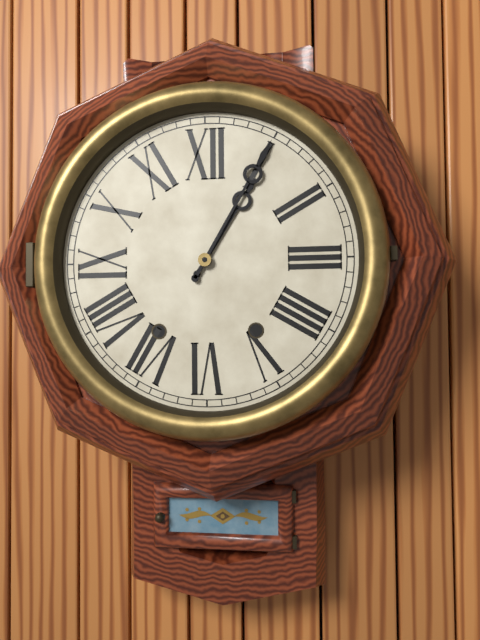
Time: 1h05
